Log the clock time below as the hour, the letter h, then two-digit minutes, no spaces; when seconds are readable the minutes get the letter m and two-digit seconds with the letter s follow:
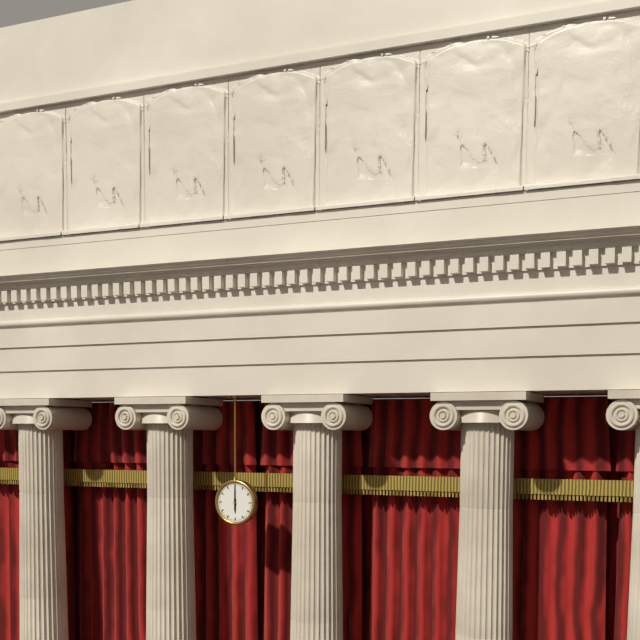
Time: 6h00
